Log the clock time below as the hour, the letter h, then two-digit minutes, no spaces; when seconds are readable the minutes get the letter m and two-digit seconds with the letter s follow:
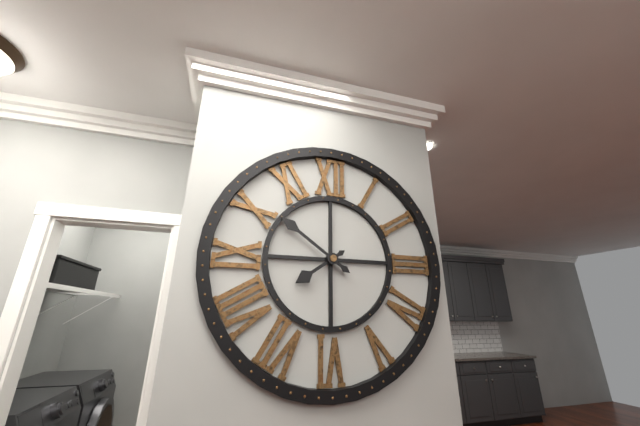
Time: 7h51
